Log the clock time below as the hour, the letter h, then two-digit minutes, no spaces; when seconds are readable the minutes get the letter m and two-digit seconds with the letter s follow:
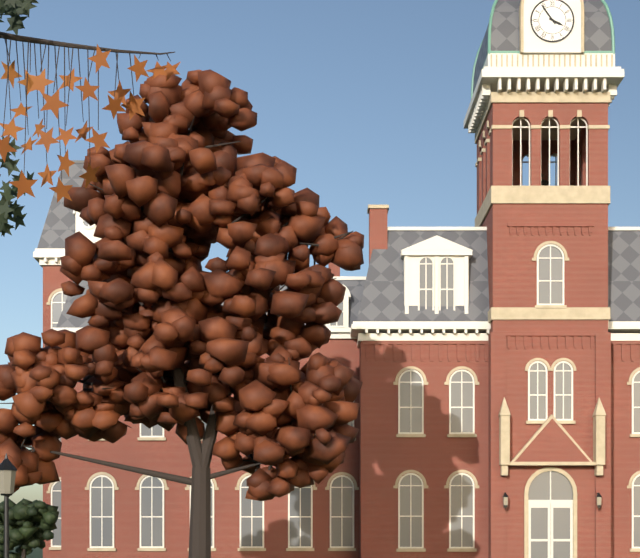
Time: 3h54
